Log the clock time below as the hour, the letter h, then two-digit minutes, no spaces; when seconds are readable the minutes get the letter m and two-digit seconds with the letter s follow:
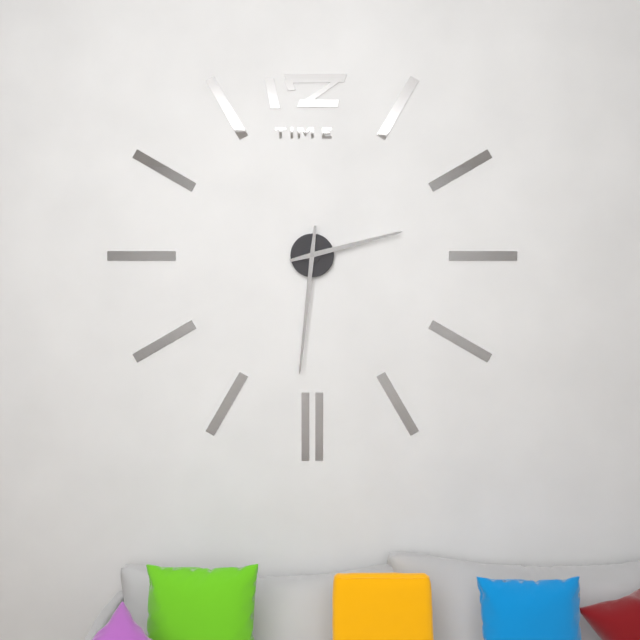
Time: 2h31
